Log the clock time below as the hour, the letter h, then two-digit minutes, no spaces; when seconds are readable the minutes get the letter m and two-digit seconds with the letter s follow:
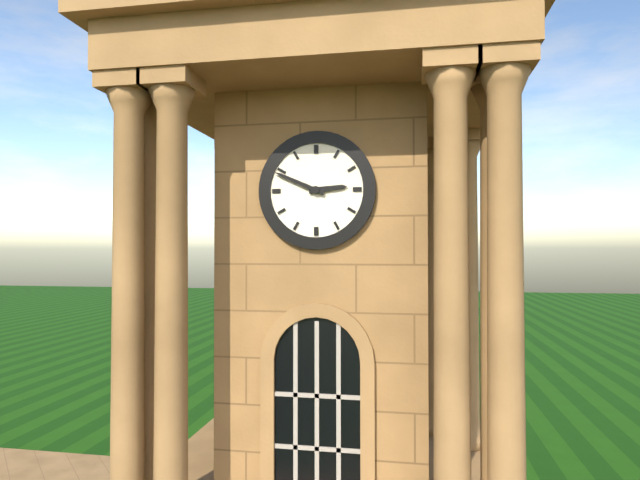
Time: 2h49
